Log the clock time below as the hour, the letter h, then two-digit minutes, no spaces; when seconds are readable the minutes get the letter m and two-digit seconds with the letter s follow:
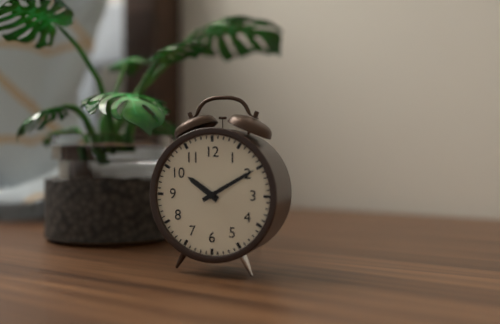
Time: 10h10
